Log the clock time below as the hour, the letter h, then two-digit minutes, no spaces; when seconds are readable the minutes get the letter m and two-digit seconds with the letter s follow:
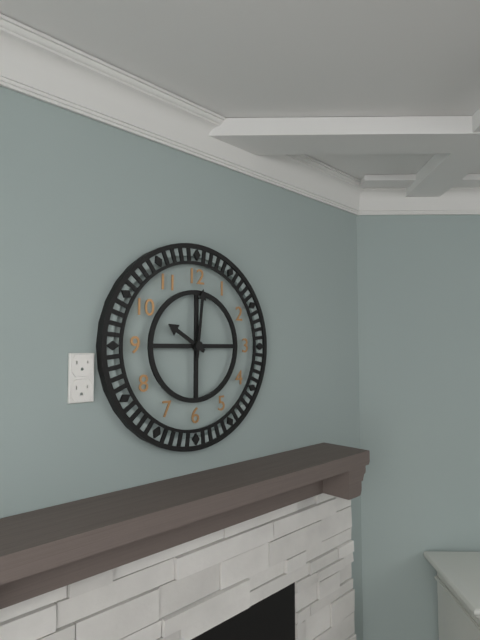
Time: 10h01
